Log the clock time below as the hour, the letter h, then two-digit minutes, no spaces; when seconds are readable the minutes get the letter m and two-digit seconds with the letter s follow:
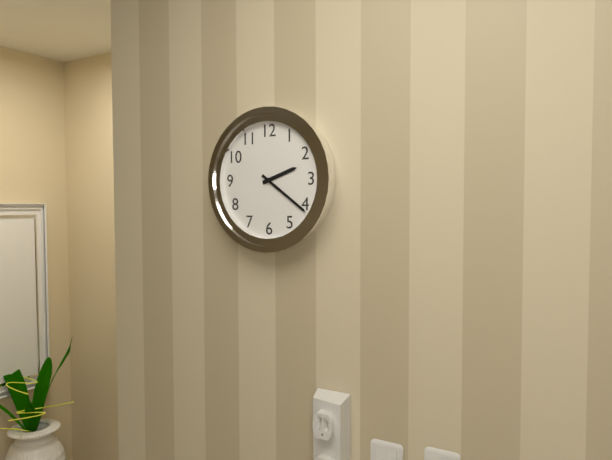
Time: 2h21
